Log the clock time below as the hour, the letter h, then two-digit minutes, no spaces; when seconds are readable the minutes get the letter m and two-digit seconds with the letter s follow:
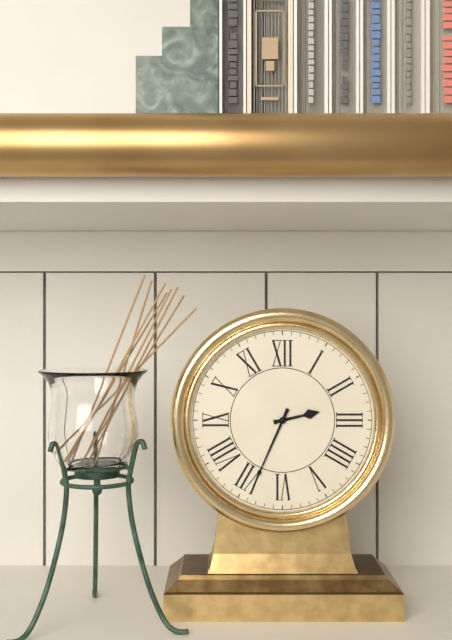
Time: 2h34
